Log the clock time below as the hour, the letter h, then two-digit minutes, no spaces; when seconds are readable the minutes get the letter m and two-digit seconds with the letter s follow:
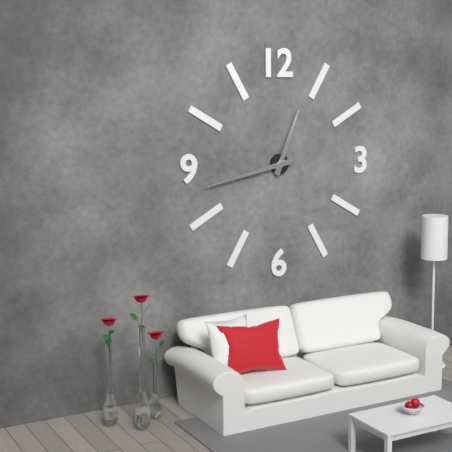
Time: 12h43
